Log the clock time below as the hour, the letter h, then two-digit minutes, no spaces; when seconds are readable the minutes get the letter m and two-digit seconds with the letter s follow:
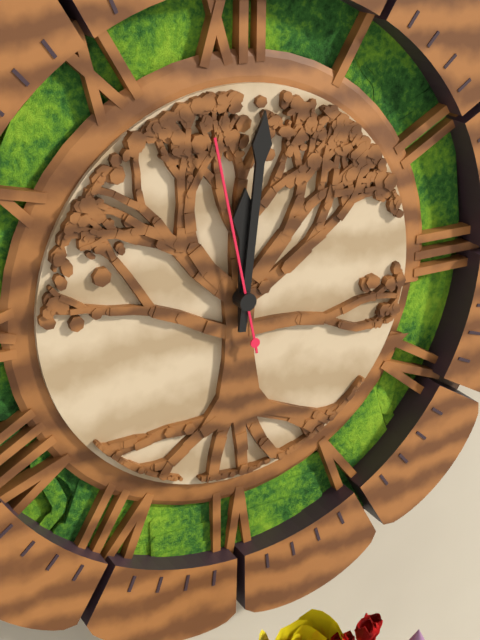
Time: 12h01m58s
